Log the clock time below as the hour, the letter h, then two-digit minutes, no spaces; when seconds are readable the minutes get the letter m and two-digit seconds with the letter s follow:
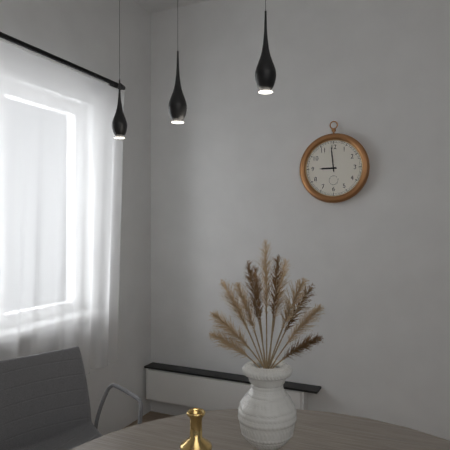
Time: 8h59
